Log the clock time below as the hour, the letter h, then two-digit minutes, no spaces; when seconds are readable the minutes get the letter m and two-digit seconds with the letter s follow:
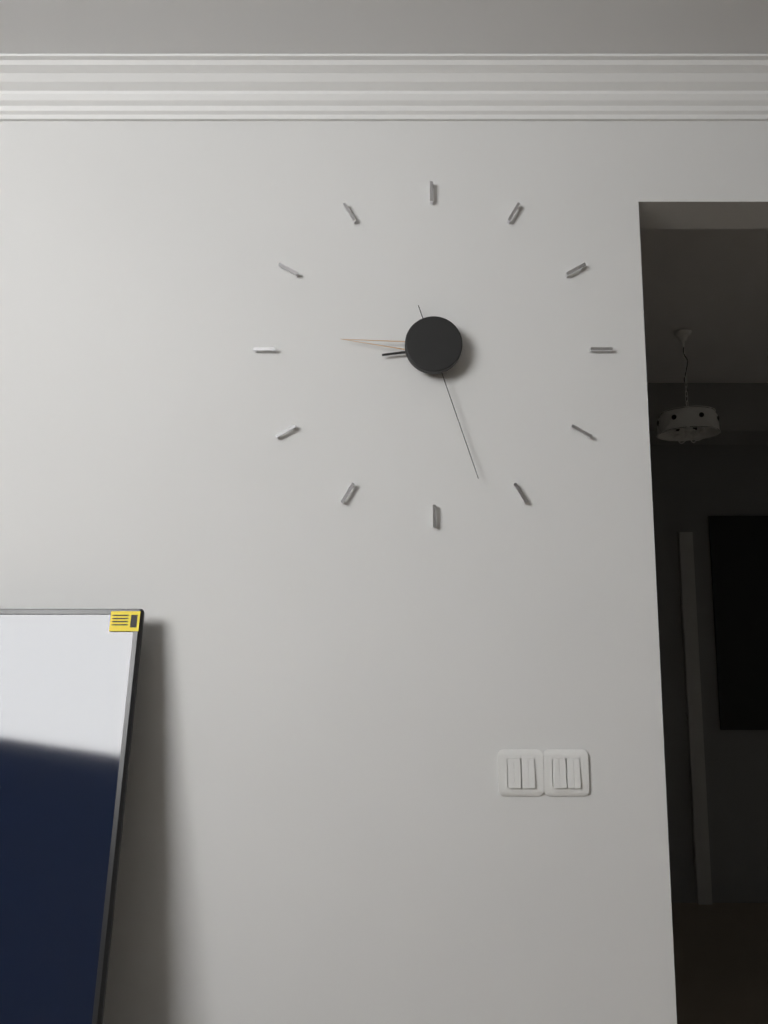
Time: 8h46m27s
